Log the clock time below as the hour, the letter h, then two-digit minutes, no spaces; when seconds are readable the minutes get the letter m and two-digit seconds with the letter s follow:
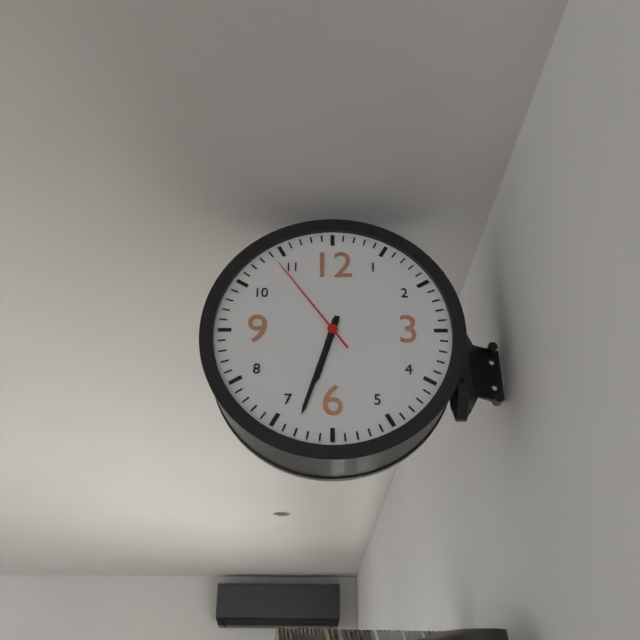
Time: 6h33m54s
